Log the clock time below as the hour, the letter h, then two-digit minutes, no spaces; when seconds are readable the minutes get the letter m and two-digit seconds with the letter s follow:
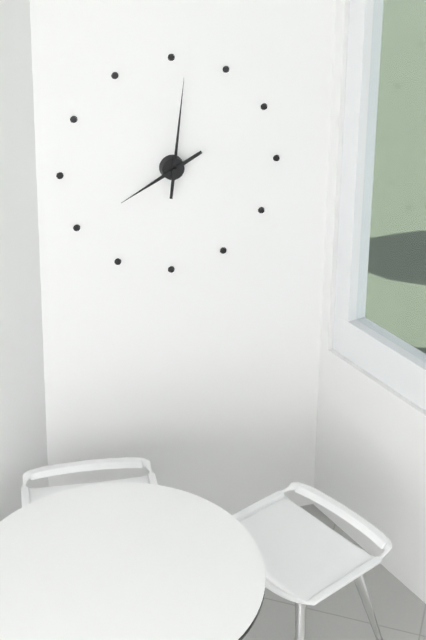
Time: 8h01
